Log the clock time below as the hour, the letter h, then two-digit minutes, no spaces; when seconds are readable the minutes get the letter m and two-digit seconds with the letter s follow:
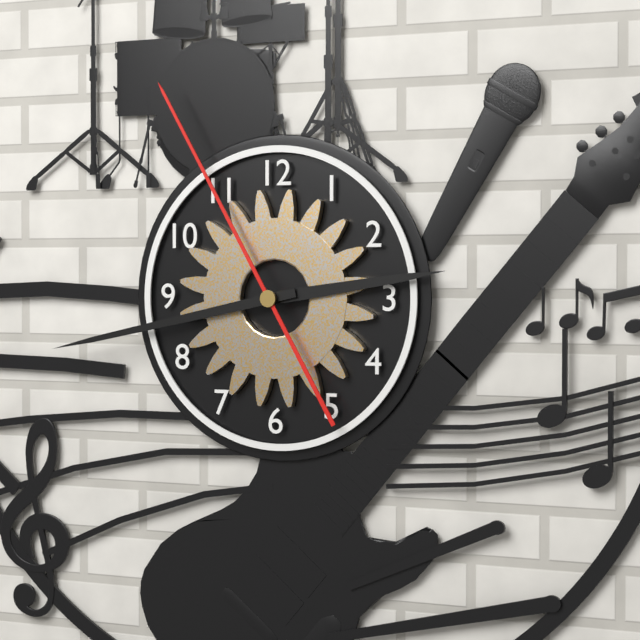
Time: 2h43m55s
